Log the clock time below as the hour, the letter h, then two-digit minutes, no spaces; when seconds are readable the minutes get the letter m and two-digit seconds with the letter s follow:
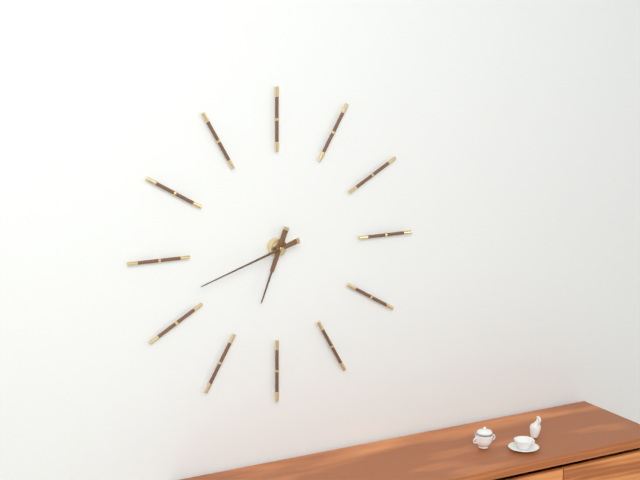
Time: 6h42
